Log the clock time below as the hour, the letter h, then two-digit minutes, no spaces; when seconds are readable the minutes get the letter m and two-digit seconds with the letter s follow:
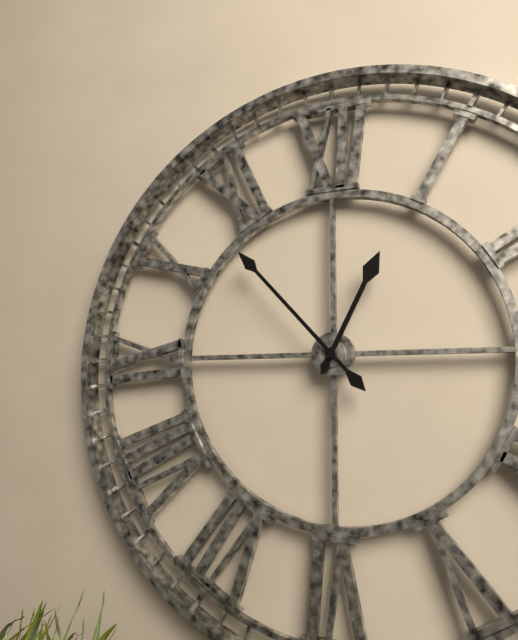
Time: 12h53
